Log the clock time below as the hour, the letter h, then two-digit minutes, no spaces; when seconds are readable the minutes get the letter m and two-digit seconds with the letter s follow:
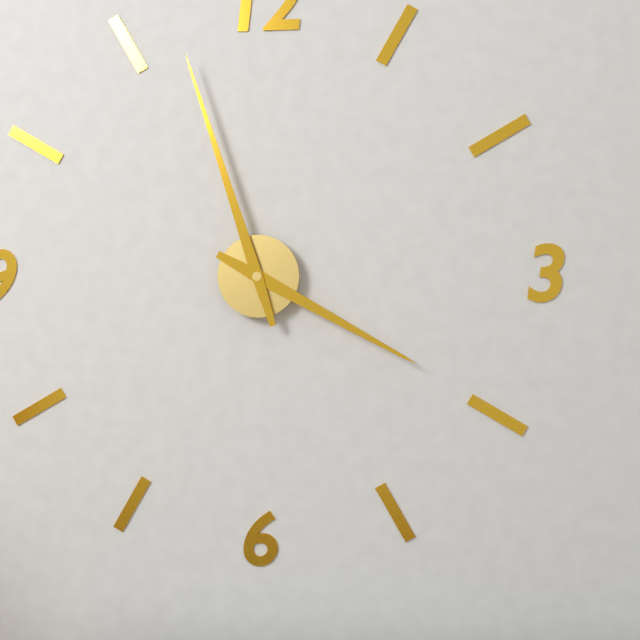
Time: 3h57
